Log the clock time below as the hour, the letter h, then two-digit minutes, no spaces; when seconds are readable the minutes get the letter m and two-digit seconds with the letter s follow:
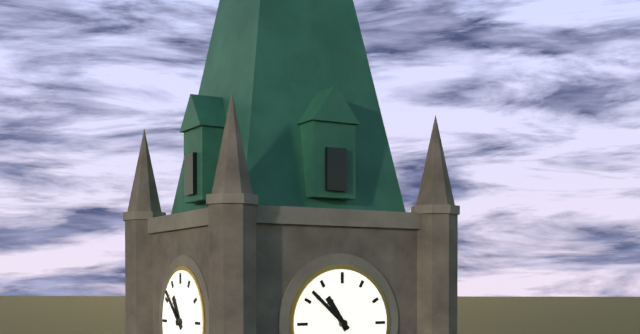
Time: 10h52
